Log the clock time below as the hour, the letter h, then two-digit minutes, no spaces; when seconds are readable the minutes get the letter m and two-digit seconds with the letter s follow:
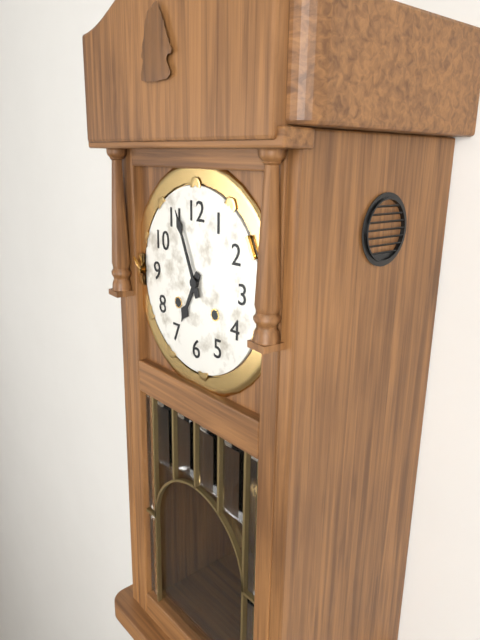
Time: 6h56
